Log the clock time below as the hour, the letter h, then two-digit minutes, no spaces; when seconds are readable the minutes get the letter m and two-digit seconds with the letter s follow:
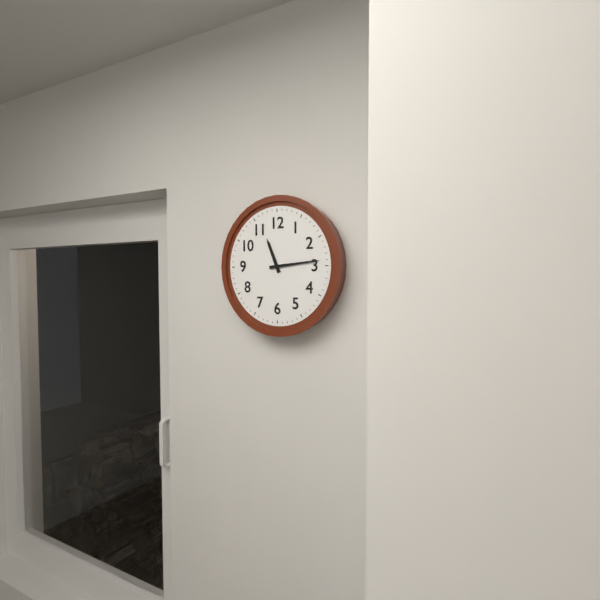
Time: 11h14
